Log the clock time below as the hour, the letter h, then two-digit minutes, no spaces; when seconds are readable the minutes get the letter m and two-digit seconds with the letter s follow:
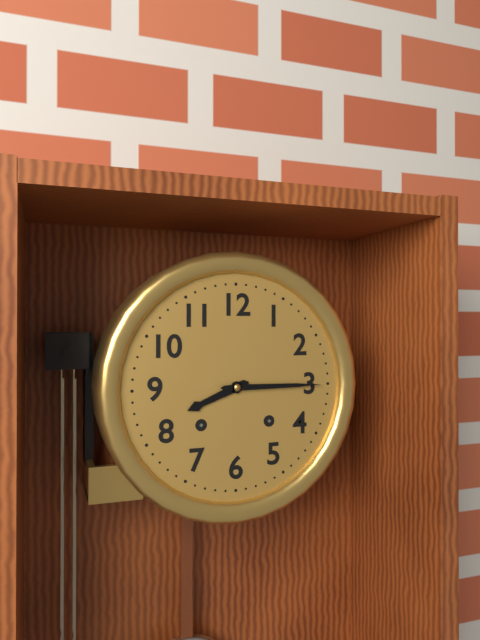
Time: 8h15
